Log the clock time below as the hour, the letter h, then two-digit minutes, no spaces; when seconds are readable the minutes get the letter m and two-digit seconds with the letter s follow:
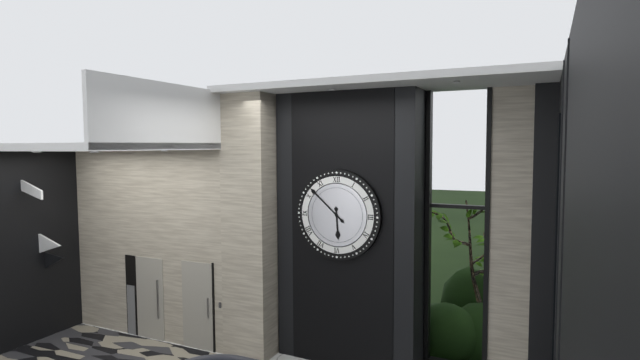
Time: 5h52
